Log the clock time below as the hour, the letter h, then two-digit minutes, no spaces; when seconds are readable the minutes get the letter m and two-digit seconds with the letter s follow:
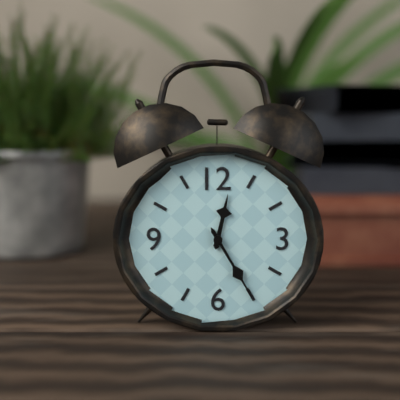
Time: 12h25
